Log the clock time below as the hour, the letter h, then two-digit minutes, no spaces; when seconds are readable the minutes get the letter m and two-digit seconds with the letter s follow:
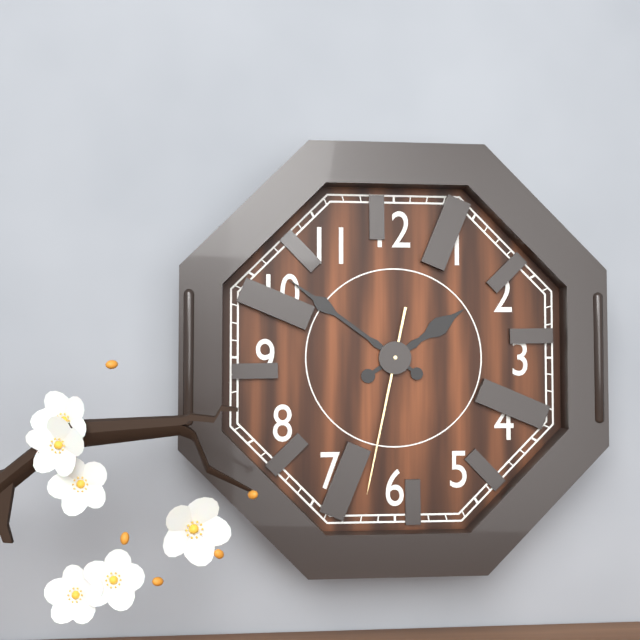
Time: 1h51m32s
